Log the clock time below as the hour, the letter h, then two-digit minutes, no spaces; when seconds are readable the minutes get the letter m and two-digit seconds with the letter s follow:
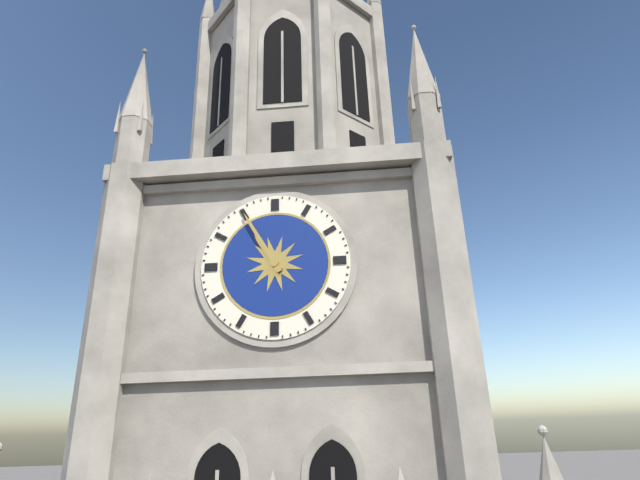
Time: 10h55
